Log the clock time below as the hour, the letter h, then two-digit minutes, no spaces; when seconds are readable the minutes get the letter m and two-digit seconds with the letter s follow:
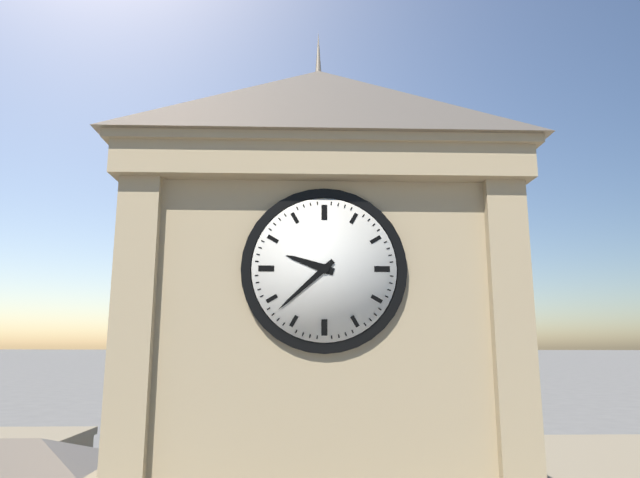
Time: 9h38
